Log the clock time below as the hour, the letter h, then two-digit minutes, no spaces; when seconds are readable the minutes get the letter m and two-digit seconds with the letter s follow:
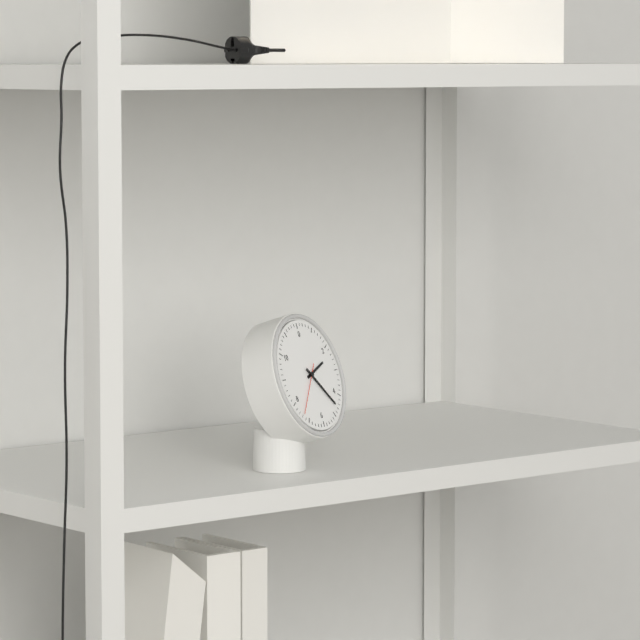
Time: 2h23
